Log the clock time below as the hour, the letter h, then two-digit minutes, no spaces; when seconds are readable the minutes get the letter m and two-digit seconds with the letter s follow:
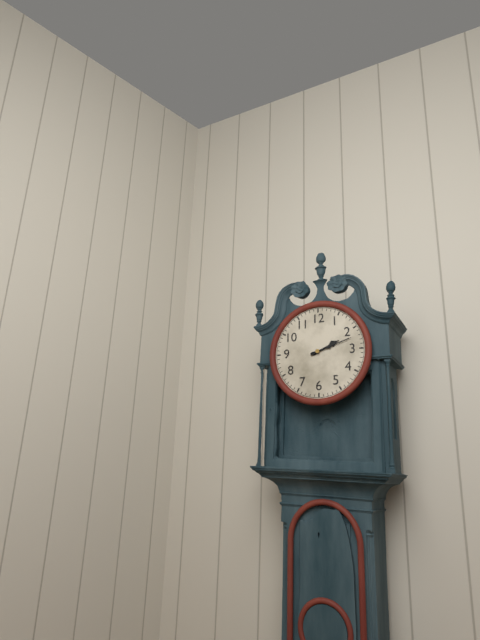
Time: 2h12
